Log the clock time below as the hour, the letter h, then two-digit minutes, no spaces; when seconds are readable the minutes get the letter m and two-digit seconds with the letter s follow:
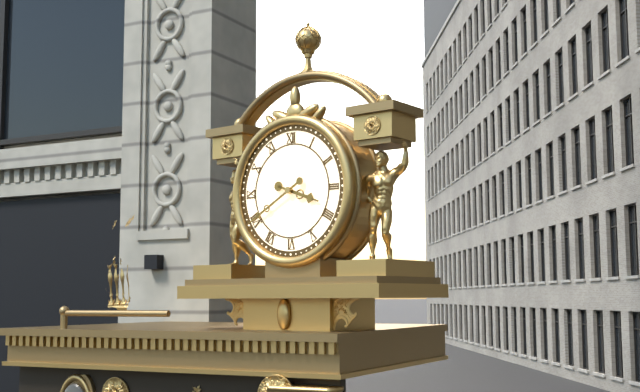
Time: 3h40
